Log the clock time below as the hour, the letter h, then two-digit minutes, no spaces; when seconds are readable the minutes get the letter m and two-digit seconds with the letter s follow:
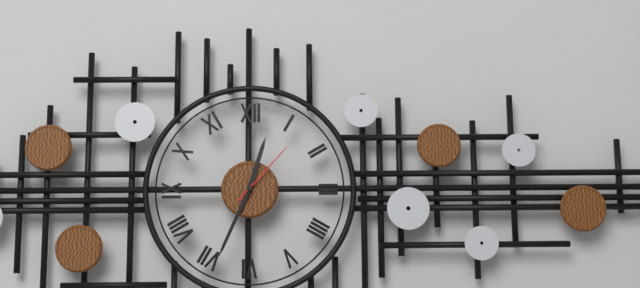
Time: 12h34m07s
